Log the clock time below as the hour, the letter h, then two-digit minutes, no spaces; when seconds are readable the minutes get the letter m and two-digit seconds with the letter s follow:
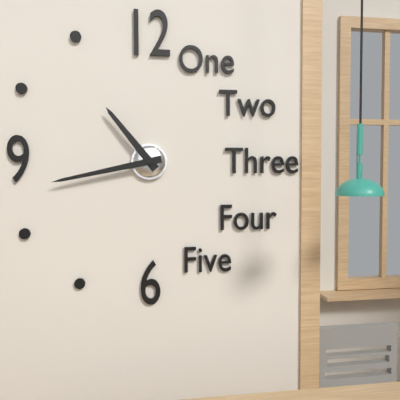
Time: 10h43
